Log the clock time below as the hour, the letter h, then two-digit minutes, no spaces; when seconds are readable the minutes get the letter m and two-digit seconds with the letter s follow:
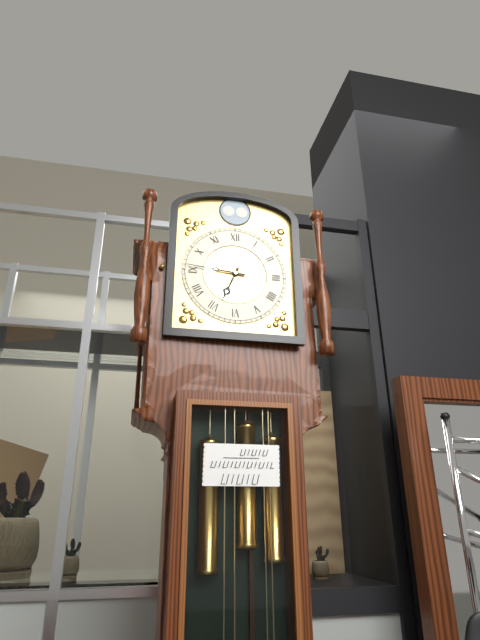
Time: 6h46
